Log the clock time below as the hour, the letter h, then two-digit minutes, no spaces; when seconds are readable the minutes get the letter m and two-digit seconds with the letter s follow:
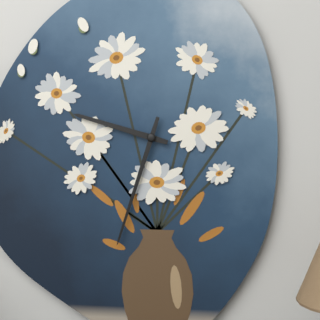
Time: 9h33
